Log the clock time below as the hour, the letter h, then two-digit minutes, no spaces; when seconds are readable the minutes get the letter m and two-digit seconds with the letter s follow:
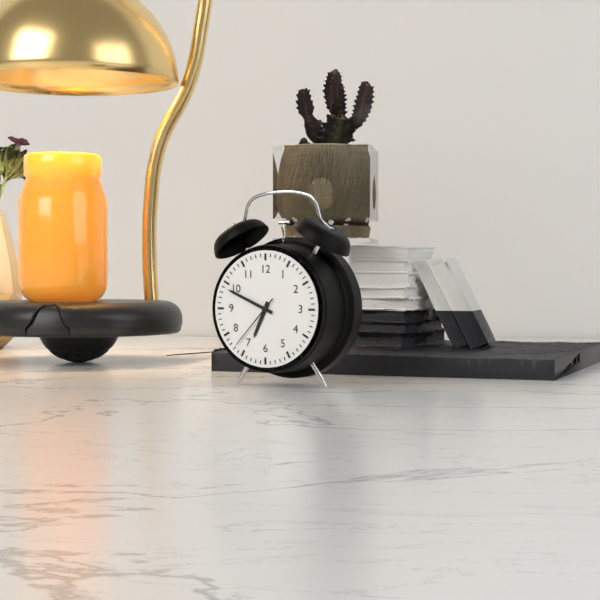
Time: 6h49m37s
